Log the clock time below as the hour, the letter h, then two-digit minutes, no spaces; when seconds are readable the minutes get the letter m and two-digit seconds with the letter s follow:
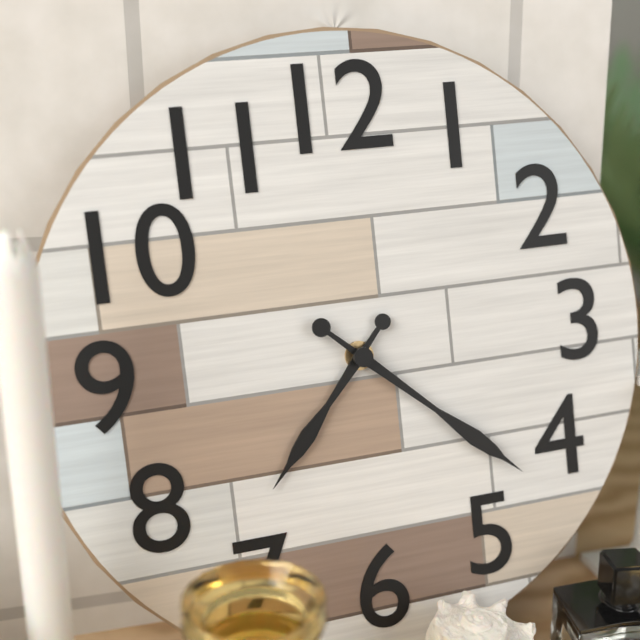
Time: 7h22
